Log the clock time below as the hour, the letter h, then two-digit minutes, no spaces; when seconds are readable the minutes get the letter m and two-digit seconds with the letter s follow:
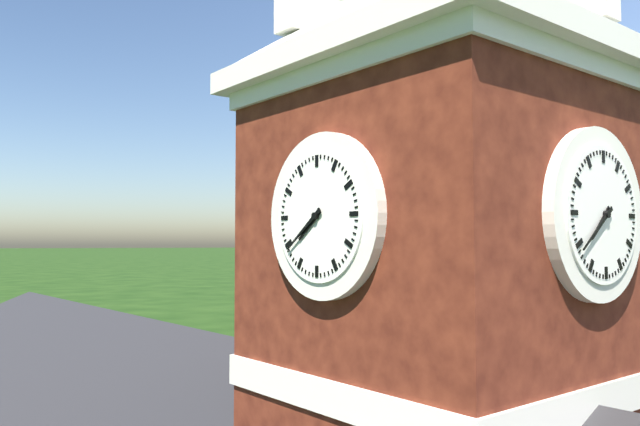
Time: 7h39
